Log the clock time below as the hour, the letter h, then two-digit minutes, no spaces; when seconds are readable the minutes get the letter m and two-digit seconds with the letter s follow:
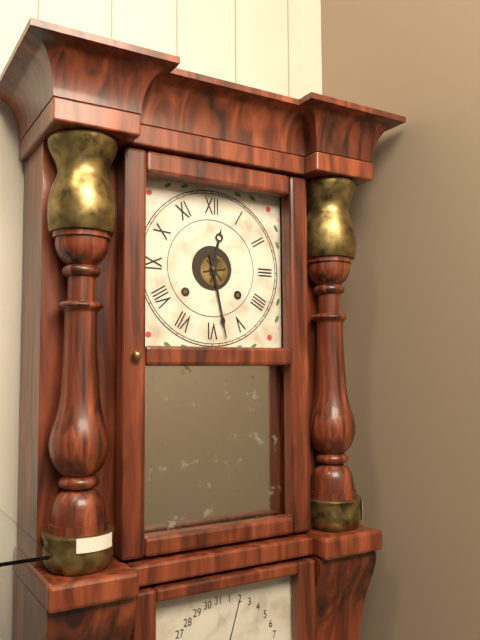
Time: 12h28
